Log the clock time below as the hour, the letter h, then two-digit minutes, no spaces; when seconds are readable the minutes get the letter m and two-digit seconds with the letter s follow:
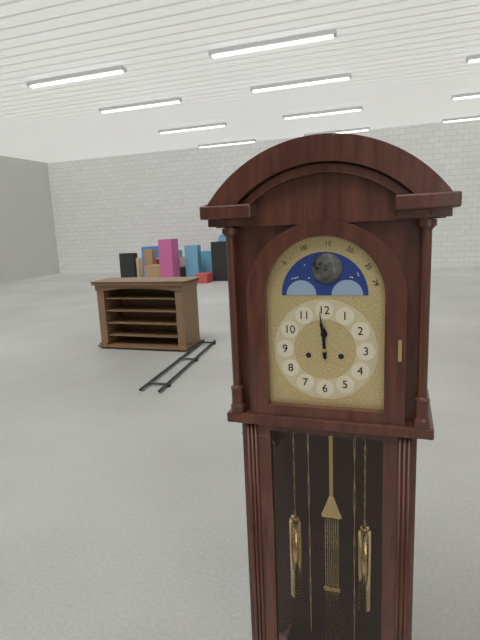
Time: 11h59
